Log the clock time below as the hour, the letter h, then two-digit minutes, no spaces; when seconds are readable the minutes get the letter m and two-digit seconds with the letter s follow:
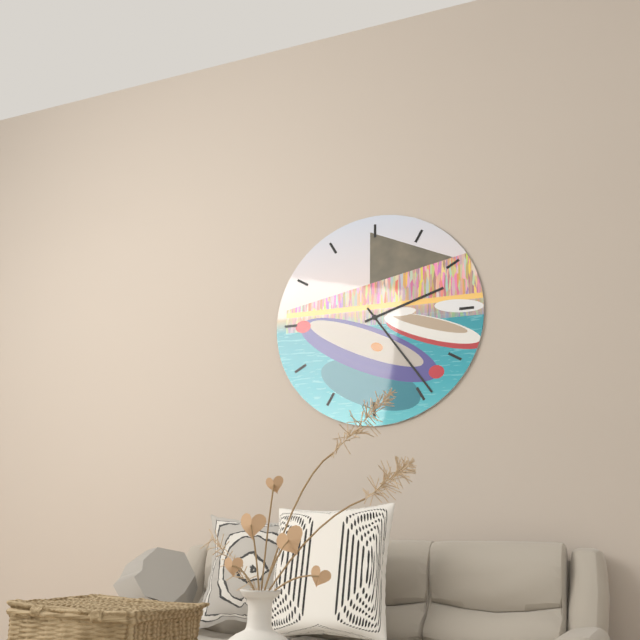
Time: 2h24
